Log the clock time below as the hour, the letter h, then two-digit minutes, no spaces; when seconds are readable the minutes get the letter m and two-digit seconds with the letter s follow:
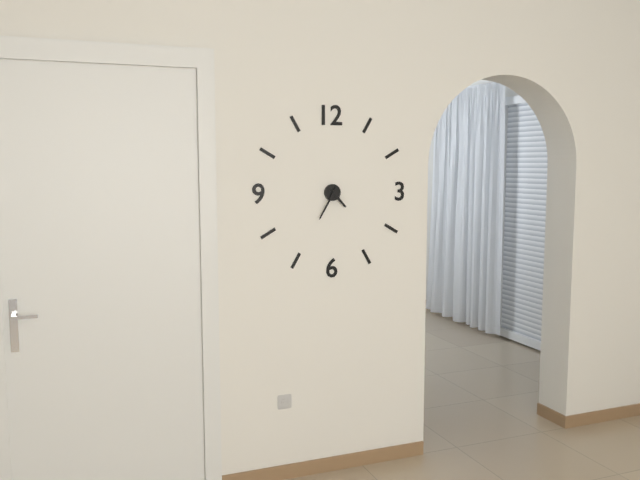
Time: 4h35
